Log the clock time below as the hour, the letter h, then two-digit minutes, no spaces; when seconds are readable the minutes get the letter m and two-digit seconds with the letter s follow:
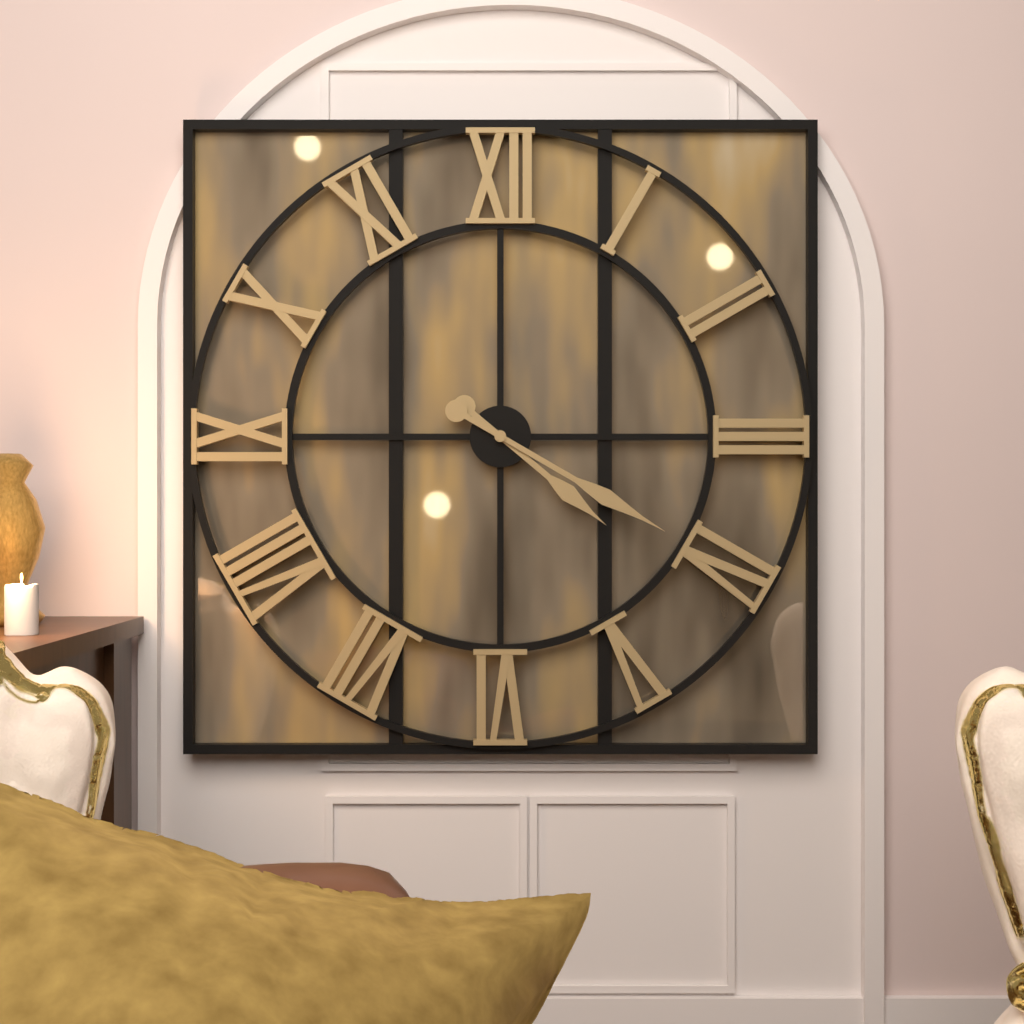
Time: 4h20
